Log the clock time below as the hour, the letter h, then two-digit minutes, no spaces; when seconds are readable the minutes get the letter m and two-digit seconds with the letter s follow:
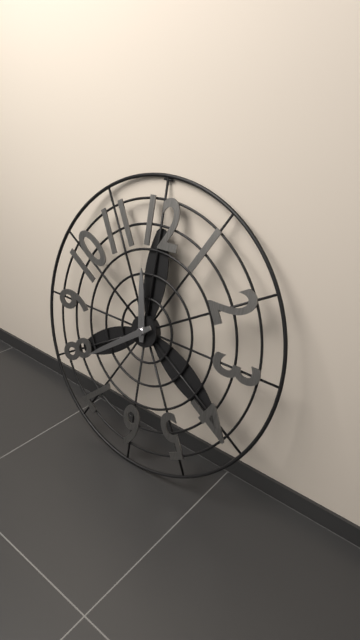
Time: 11h39
